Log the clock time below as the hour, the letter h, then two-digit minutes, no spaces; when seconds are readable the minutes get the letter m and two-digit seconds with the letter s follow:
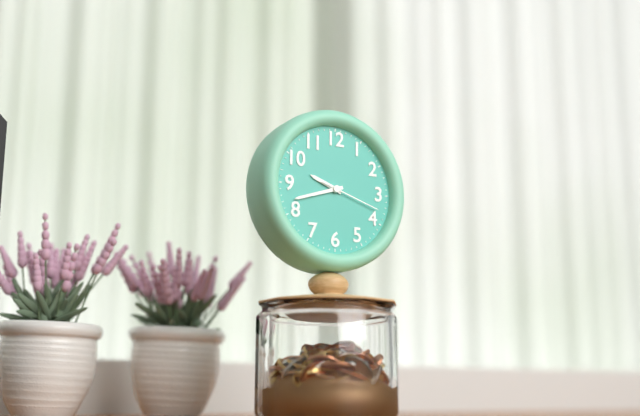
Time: 9h42m18s
